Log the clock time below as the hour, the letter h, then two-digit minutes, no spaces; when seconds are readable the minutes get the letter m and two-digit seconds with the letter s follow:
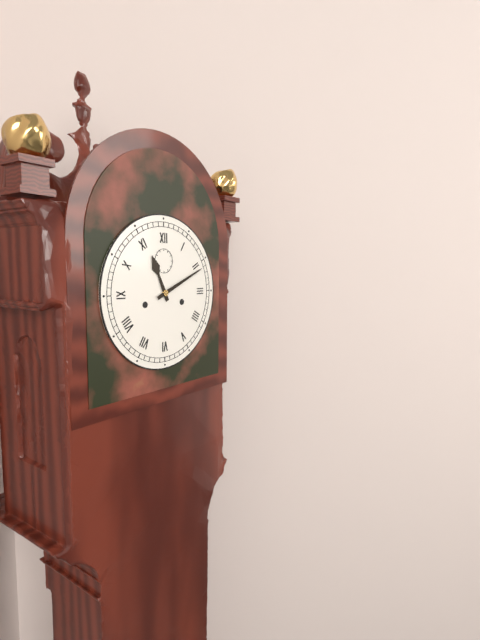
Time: 11h11
